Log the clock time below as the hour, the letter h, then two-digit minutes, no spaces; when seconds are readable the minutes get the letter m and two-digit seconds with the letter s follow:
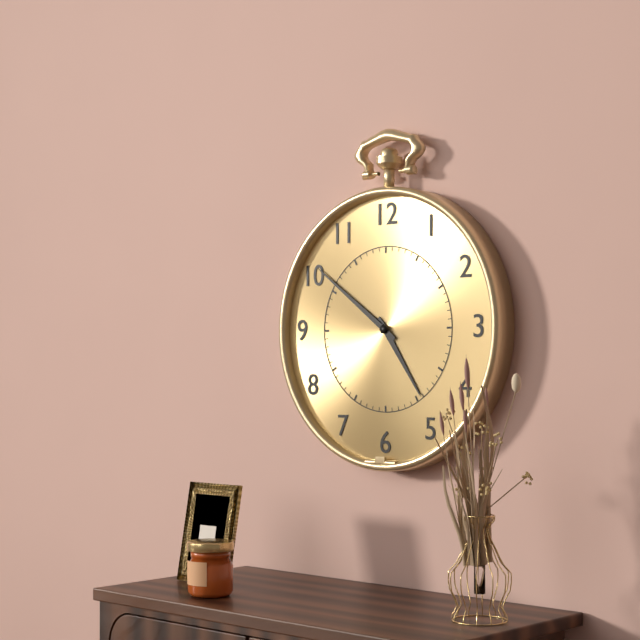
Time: 4h51
